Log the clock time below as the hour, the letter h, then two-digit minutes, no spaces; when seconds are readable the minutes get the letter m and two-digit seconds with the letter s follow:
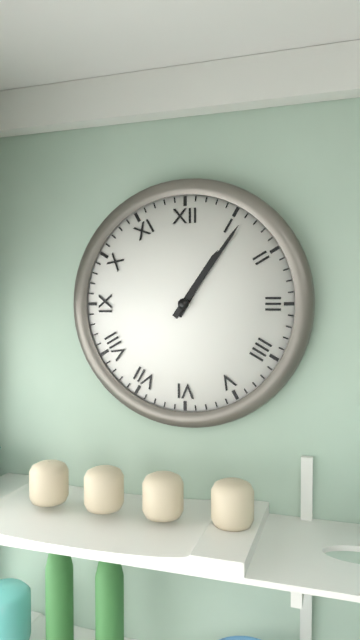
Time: 1h06
